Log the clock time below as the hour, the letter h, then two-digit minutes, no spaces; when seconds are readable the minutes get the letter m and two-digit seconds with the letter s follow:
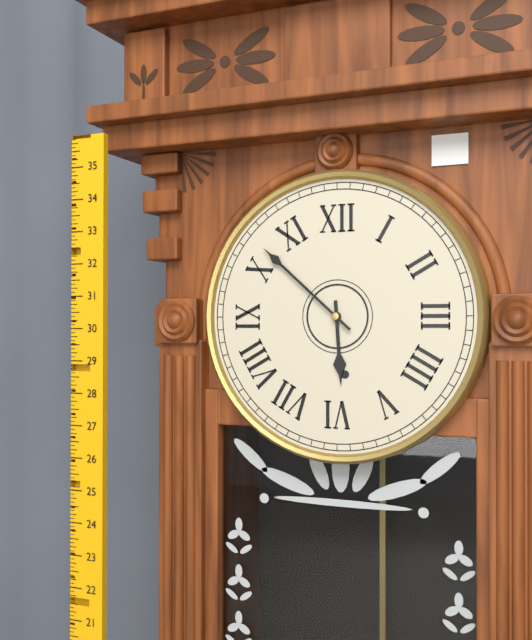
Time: 5h52
